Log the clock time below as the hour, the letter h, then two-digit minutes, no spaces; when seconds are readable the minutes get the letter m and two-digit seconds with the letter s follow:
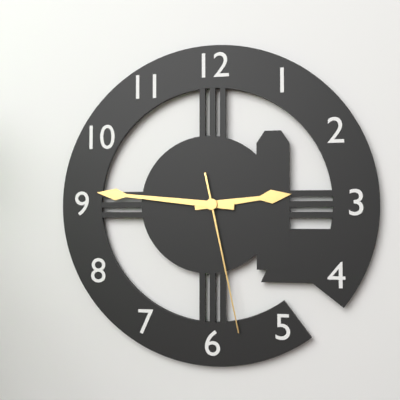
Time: 2h46m28s
